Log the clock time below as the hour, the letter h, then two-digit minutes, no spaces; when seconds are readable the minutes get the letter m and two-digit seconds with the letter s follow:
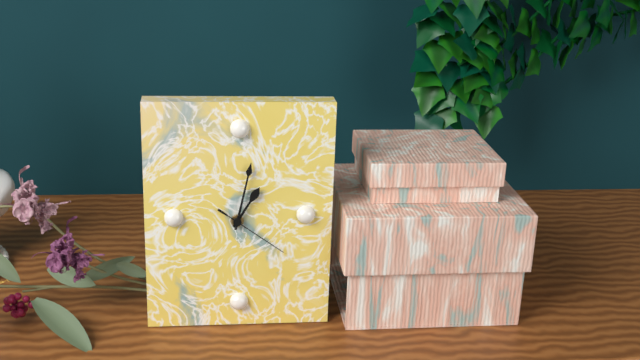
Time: 1h02m21s
